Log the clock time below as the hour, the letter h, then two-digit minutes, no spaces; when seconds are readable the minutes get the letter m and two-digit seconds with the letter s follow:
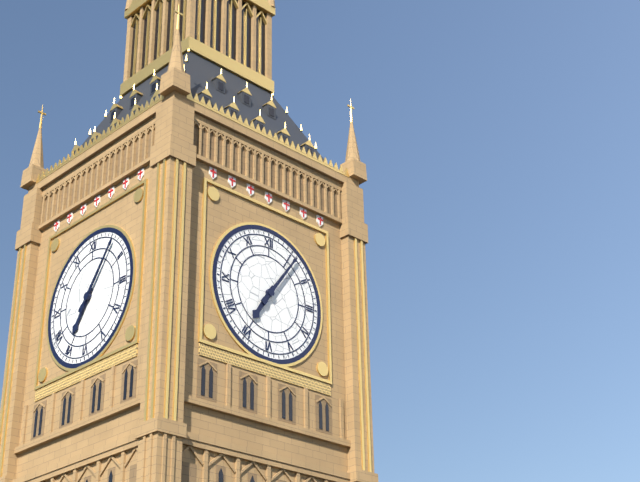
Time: 7h06
